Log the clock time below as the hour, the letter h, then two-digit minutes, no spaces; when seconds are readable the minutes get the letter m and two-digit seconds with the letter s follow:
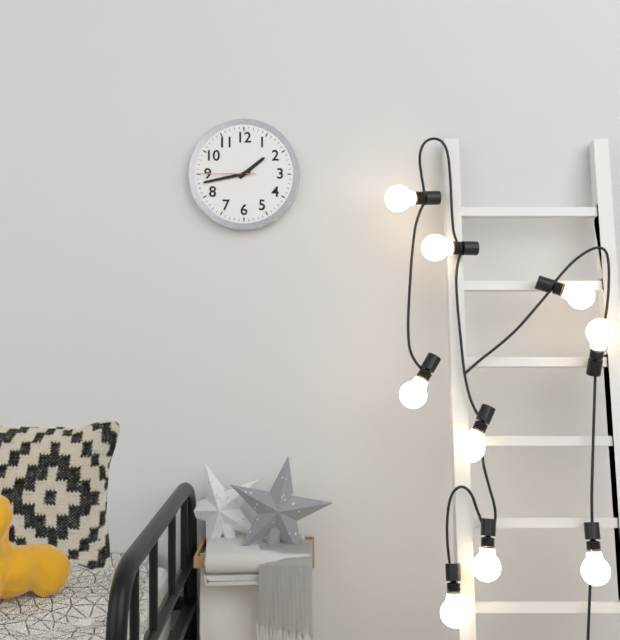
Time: 1h43m45s
